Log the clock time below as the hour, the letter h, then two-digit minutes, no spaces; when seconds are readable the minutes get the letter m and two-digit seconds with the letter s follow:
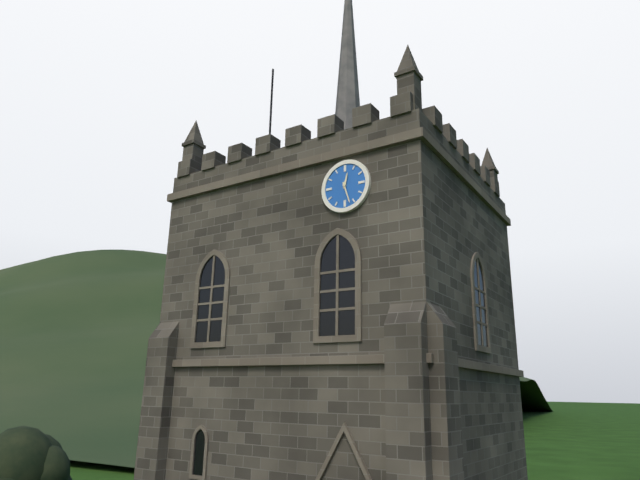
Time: 12h27
